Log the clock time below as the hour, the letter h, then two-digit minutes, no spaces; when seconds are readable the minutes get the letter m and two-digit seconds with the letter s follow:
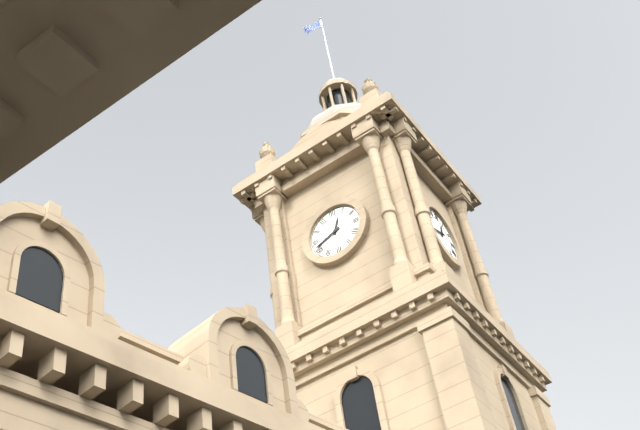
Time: 12h42
